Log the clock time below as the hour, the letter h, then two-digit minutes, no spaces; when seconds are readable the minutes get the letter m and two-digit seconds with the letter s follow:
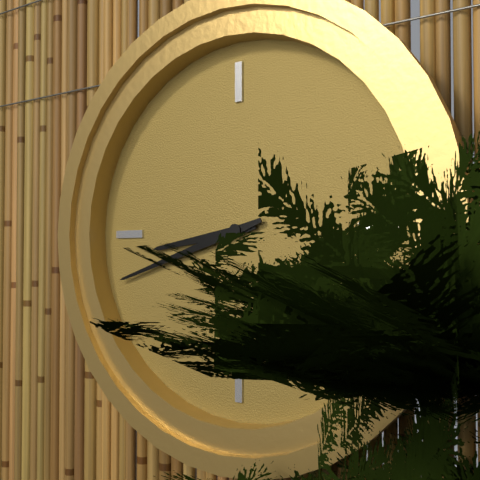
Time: 8h42
